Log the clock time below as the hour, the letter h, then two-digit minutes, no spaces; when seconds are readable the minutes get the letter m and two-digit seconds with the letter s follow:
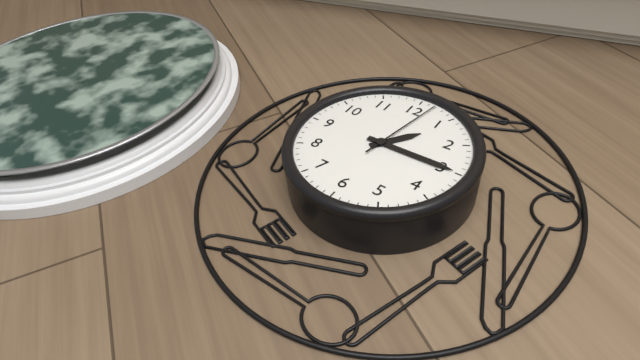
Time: 1h15m02s
